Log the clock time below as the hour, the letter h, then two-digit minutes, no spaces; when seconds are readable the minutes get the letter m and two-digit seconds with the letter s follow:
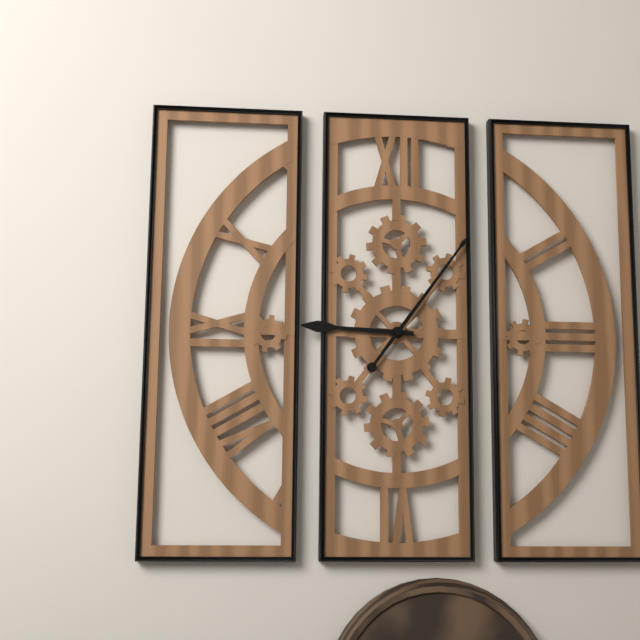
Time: 9h06
